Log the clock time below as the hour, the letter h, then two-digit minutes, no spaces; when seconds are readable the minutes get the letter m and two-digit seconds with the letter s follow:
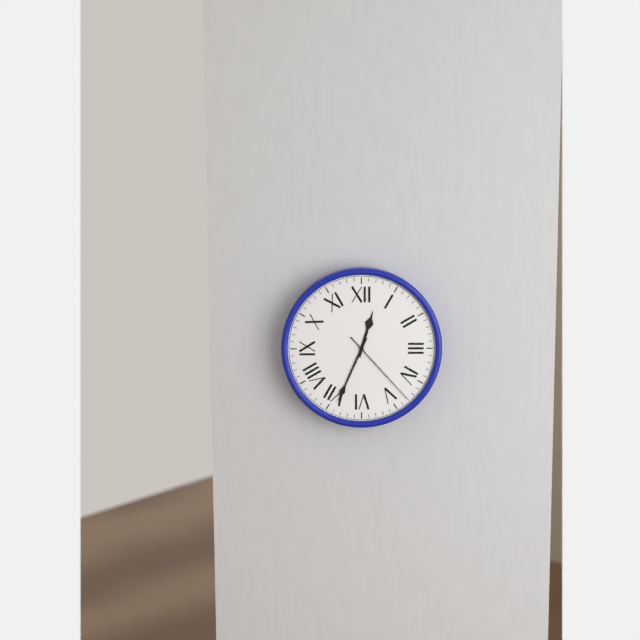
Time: 12h34m23s
